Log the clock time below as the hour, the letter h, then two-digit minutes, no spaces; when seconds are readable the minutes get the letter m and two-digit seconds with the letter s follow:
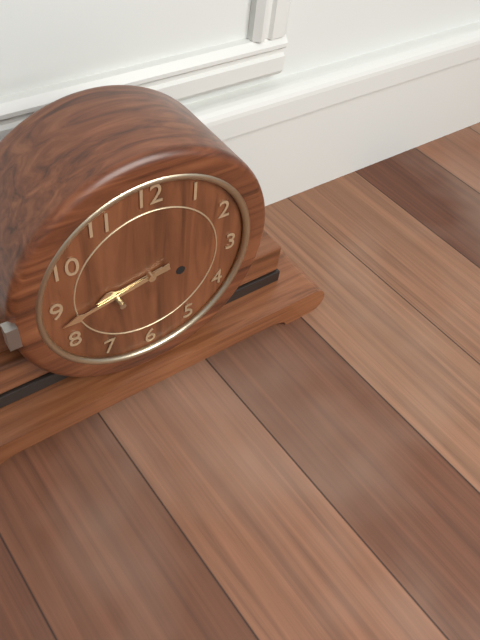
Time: 8h43
